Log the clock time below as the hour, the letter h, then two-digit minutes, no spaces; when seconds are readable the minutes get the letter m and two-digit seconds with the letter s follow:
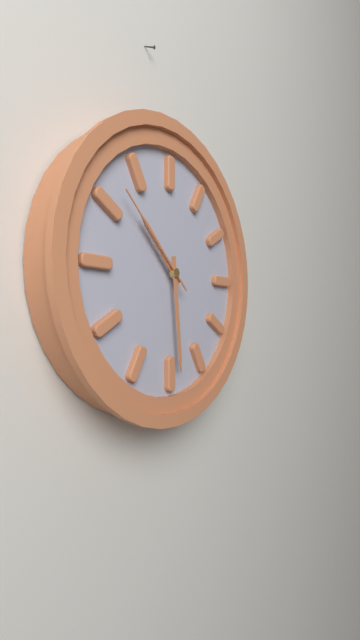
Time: 10h29m52s
